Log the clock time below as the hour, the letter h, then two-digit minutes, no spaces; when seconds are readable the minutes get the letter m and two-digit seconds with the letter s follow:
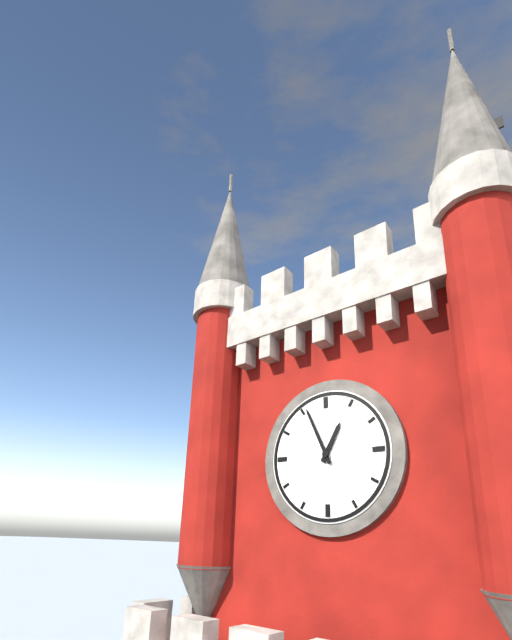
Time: 12h56
